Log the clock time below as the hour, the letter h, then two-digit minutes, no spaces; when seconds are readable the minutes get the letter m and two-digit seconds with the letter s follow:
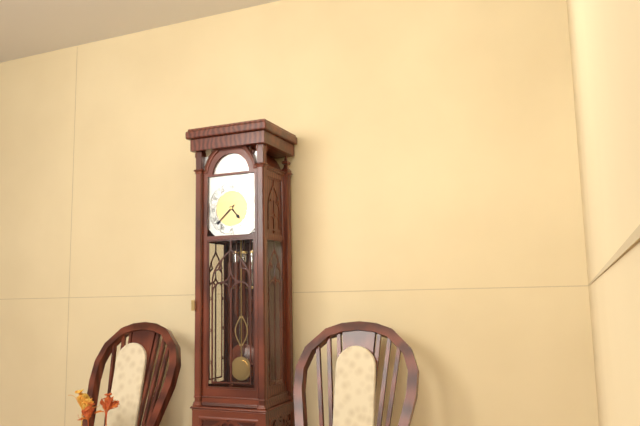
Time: 4h38
